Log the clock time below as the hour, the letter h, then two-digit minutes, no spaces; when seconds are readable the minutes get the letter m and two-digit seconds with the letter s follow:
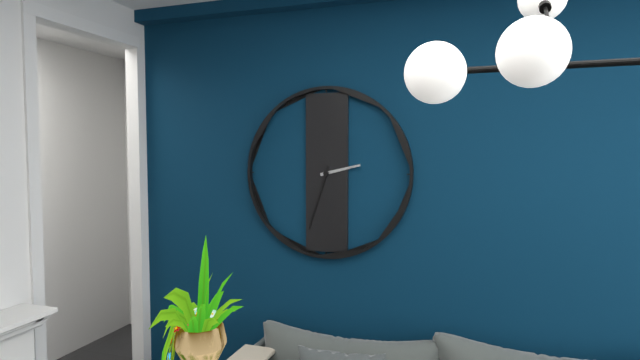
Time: 2h33
